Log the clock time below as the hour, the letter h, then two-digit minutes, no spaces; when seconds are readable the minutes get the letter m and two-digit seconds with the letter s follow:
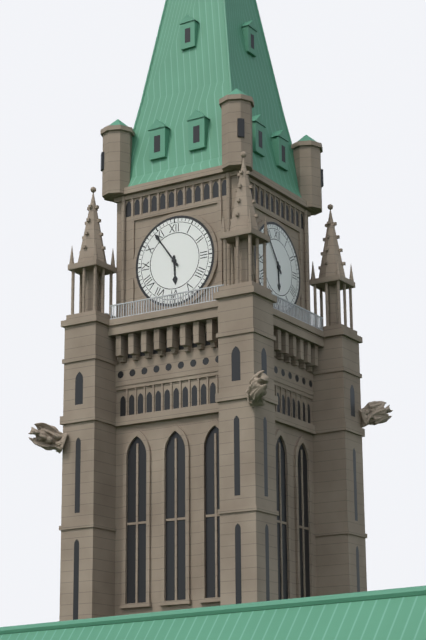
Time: 5h54
